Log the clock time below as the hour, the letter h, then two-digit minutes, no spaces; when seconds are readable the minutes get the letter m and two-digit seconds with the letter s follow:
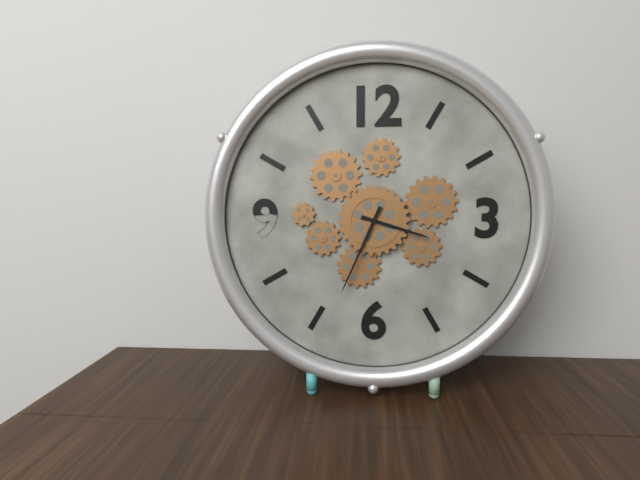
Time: 3h34
